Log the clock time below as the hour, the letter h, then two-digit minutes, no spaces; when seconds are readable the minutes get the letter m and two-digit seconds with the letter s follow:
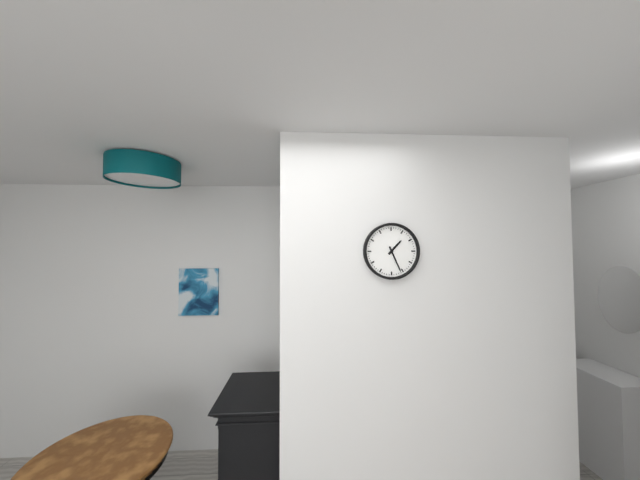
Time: 1h26
